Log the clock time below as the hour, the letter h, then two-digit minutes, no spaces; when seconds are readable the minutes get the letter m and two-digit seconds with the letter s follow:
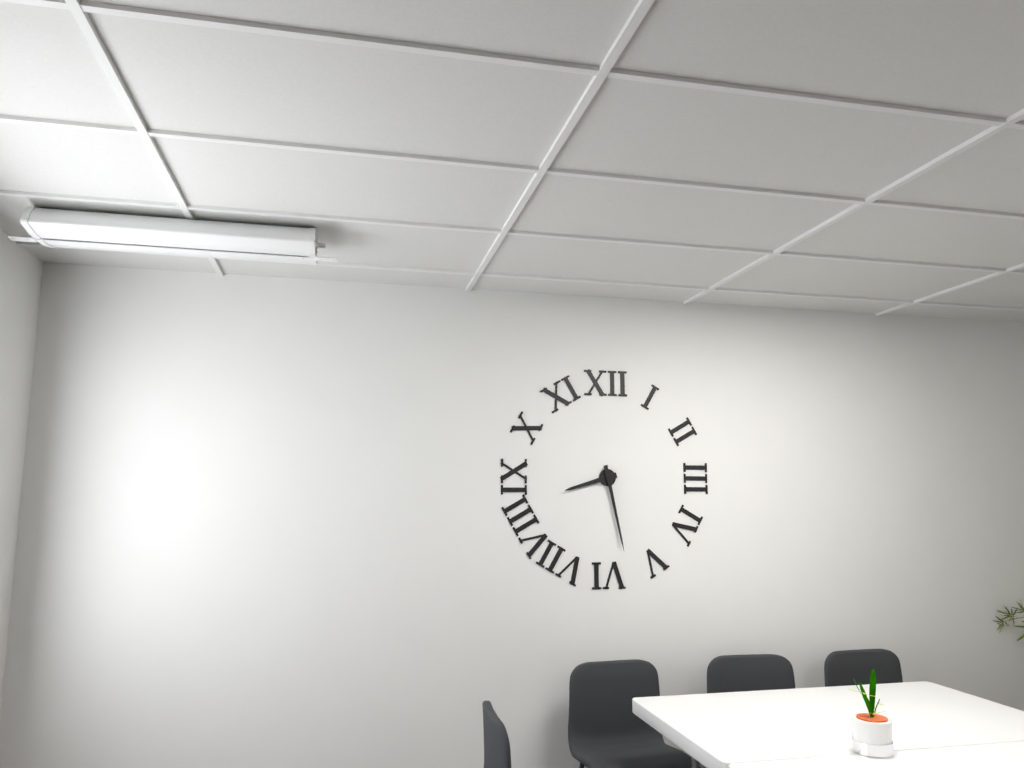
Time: 8h28
